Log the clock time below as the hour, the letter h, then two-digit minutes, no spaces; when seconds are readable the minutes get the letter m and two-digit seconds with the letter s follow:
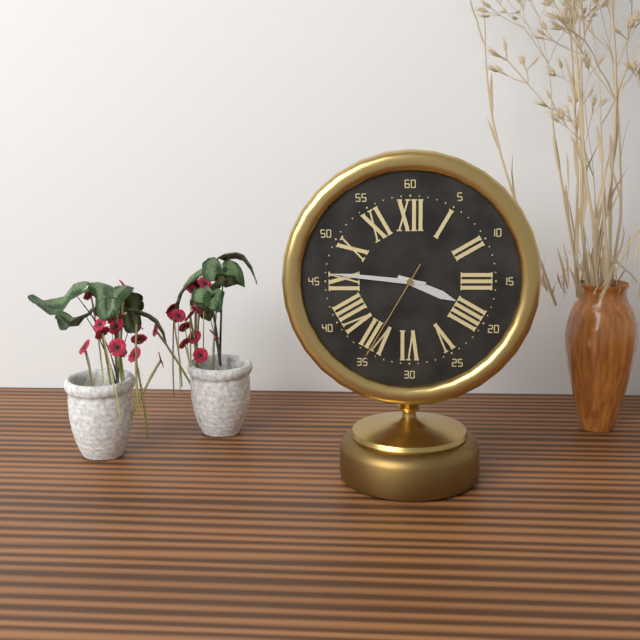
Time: 3h46m35s
